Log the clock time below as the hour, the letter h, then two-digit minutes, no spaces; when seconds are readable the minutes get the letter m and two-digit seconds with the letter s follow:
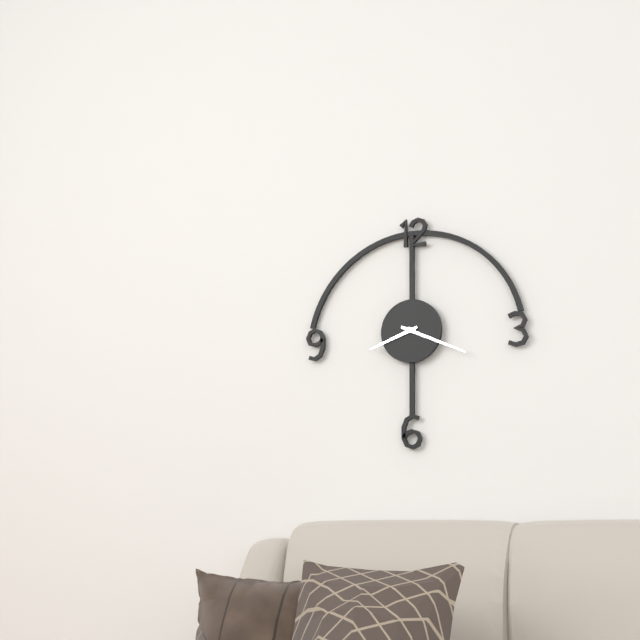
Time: 8h19
